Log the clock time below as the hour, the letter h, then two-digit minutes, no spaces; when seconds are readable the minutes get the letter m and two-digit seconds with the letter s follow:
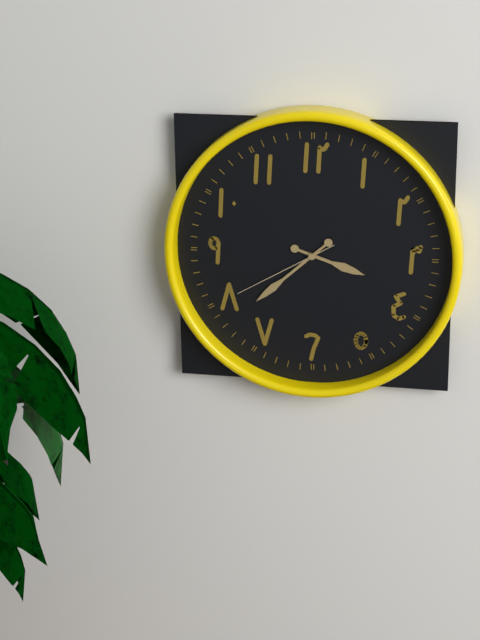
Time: 3h38m40s
